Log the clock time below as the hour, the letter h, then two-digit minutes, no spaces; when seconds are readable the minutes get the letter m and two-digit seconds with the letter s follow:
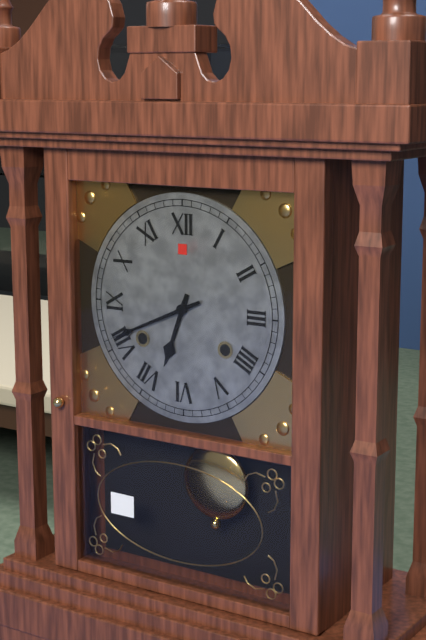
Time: 6h41
